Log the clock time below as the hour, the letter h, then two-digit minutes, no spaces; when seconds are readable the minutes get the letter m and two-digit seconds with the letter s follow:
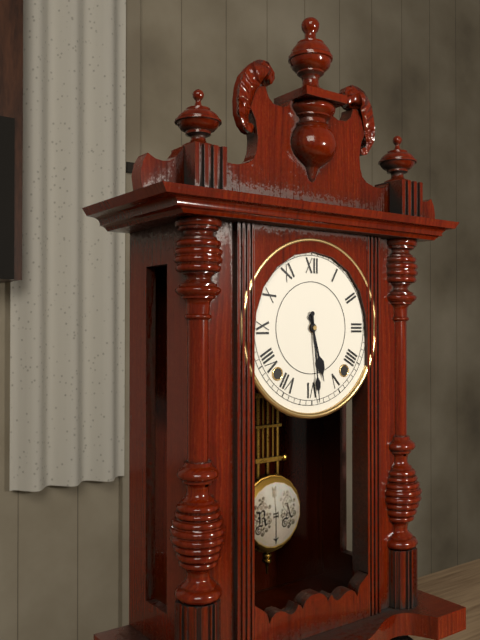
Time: 5h29
